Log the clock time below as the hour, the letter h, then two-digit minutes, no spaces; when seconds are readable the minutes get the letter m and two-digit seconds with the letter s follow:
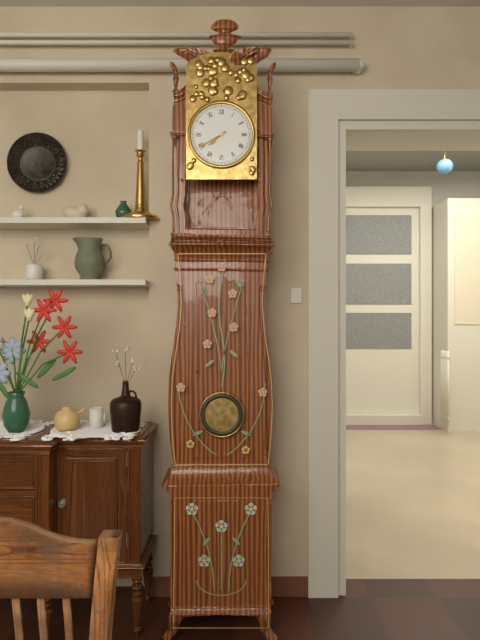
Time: 7h40
